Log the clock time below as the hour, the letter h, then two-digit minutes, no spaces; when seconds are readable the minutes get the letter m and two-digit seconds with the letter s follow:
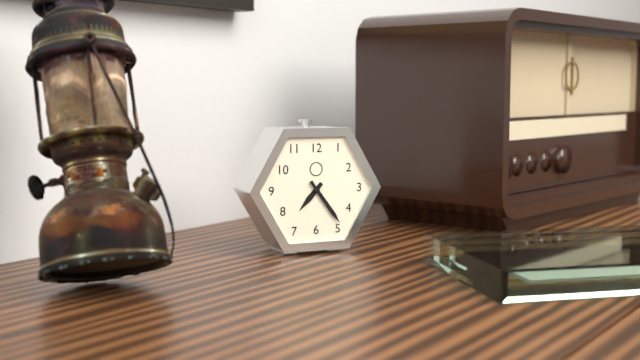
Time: 7h24
